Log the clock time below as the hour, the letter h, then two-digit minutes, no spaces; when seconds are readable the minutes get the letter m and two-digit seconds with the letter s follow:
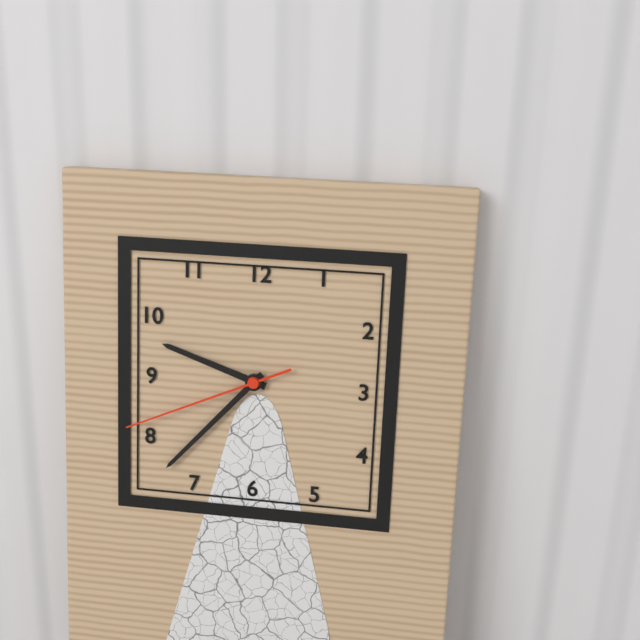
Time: 9h37m41s
